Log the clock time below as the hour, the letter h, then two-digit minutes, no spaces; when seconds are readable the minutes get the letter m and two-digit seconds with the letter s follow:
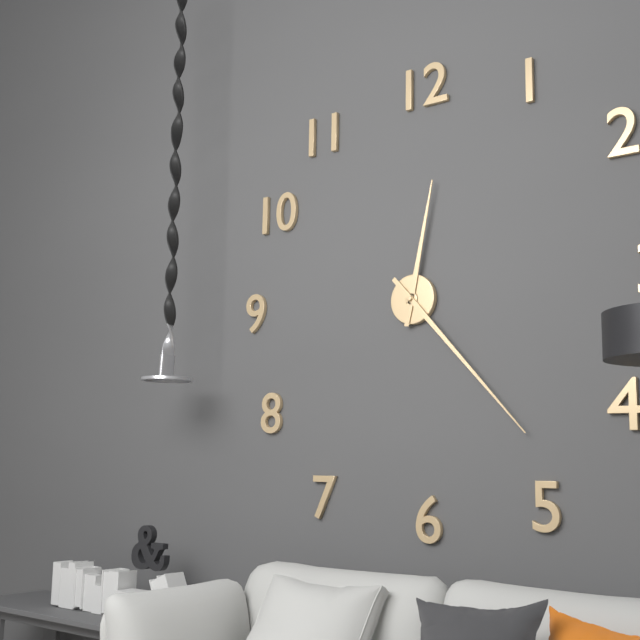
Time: 12h23
